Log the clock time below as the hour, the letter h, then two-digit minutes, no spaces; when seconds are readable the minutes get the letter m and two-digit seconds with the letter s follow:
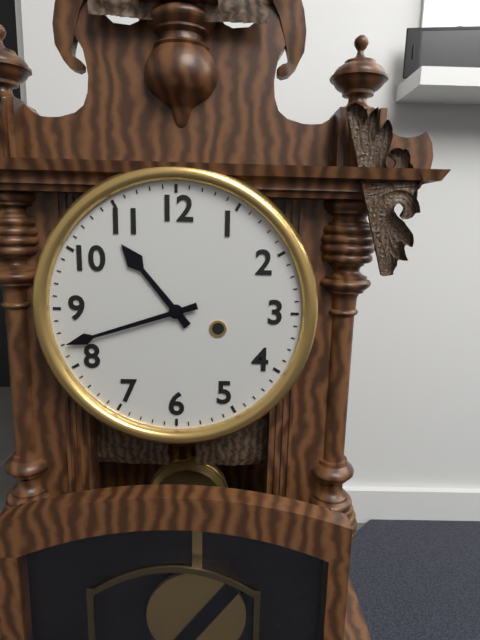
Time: 10h42
